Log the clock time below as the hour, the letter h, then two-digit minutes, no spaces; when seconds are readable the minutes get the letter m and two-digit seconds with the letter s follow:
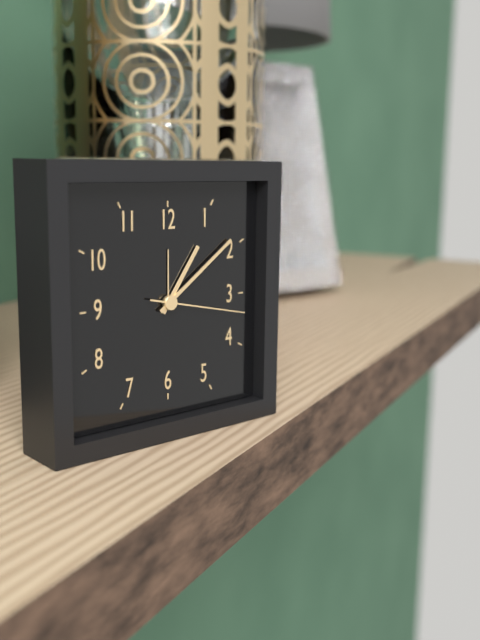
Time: 1h09m17s
